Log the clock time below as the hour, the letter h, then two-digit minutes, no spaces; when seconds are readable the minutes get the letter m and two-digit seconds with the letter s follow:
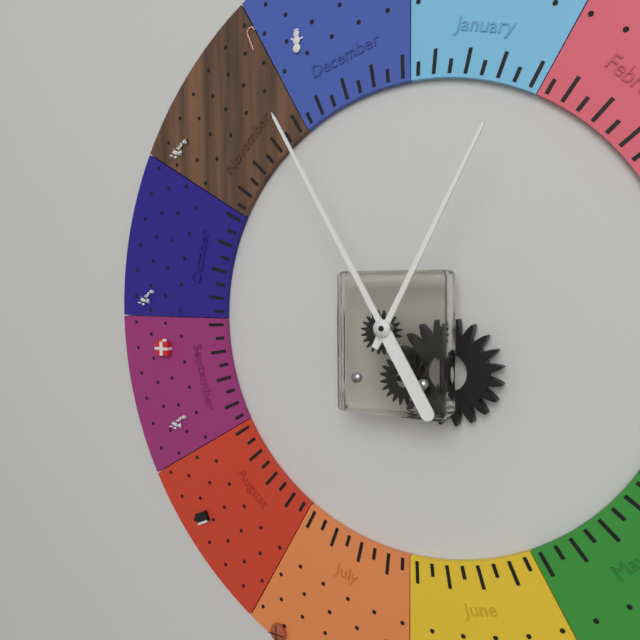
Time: 12h55
